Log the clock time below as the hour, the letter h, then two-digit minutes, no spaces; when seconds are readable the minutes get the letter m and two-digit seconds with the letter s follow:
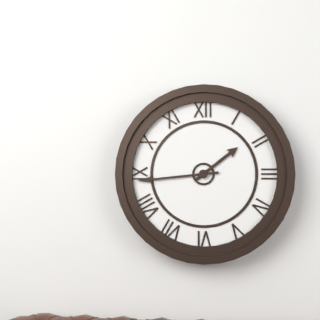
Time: 1h44
